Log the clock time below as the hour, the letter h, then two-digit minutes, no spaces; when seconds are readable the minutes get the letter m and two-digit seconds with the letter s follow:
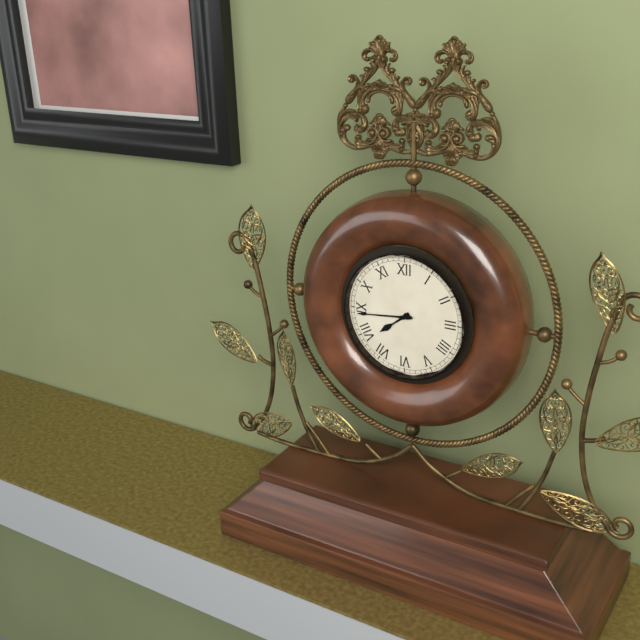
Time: 7h44
